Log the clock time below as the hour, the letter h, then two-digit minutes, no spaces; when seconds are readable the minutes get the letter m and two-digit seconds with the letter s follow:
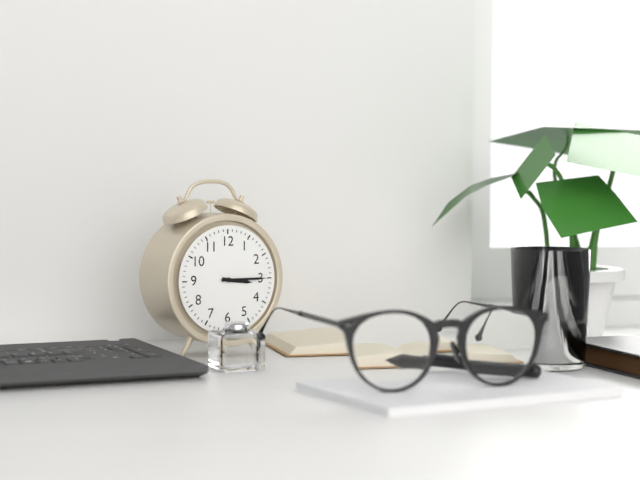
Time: 3h15
